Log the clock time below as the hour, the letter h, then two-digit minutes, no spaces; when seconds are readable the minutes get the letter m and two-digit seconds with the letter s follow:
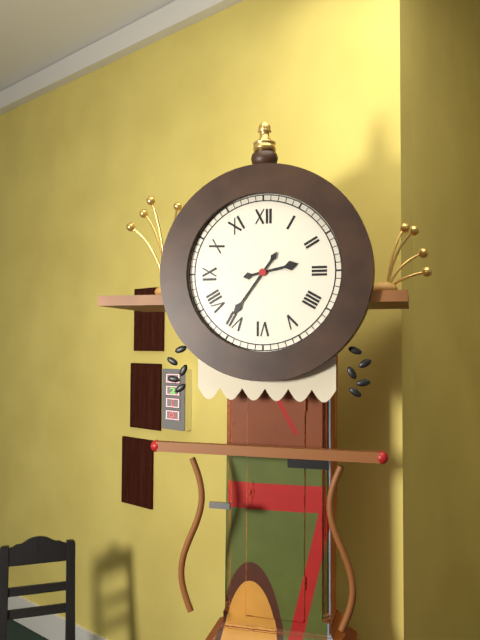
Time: 2h36
